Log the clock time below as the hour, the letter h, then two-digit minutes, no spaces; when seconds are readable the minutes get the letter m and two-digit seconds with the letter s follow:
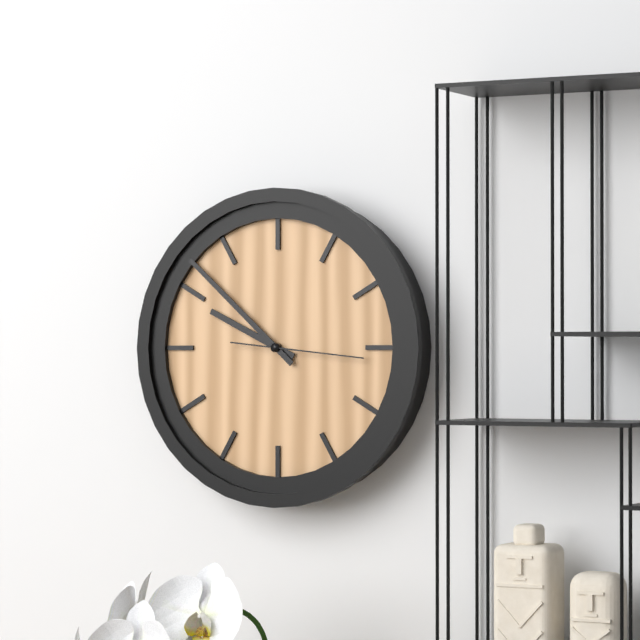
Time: 9h52m16s
